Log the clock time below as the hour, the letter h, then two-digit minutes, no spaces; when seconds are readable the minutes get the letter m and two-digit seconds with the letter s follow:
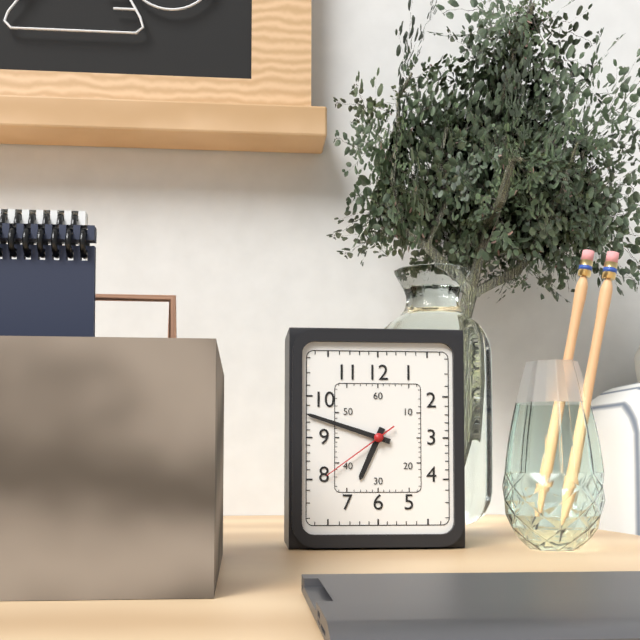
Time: 6h48m39s
